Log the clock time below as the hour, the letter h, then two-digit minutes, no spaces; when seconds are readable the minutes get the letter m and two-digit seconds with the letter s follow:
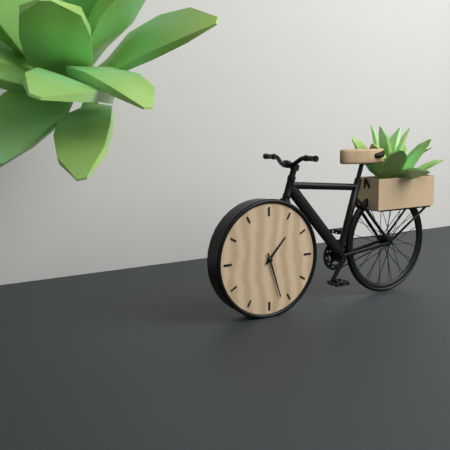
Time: 1h27
